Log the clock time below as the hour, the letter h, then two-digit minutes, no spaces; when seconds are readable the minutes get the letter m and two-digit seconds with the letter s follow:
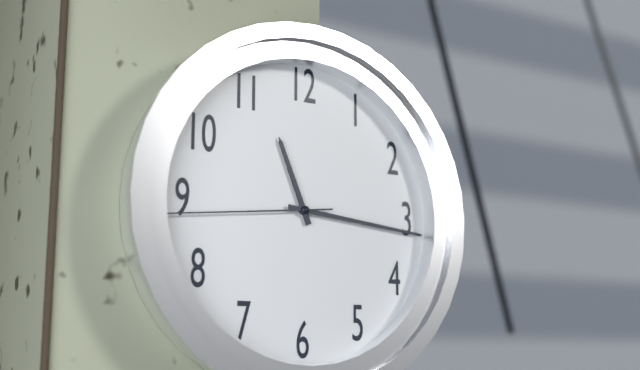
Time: 11h16m44s
